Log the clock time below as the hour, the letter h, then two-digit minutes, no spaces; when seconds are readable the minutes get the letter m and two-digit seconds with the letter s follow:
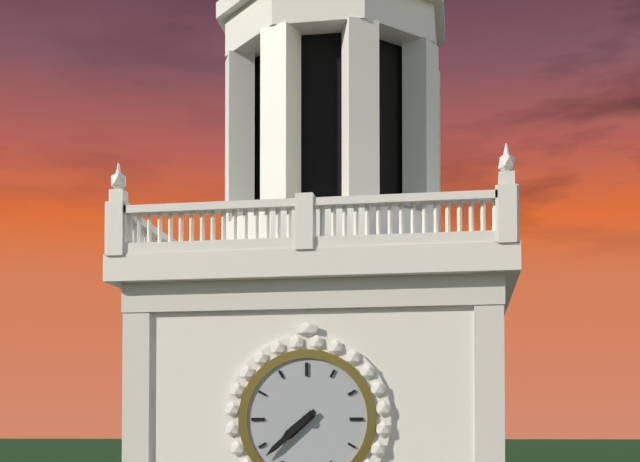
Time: 7h38
